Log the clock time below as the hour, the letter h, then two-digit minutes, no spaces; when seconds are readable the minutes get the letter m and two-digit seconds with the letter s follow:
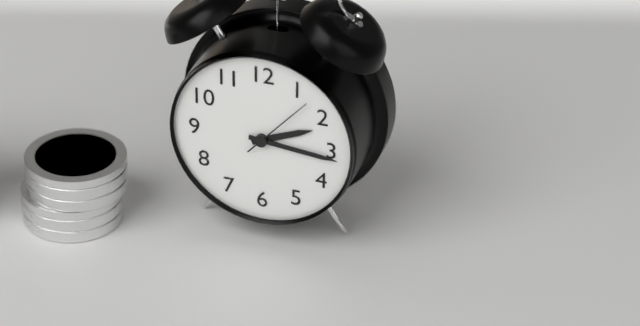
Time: 2h16m07s
